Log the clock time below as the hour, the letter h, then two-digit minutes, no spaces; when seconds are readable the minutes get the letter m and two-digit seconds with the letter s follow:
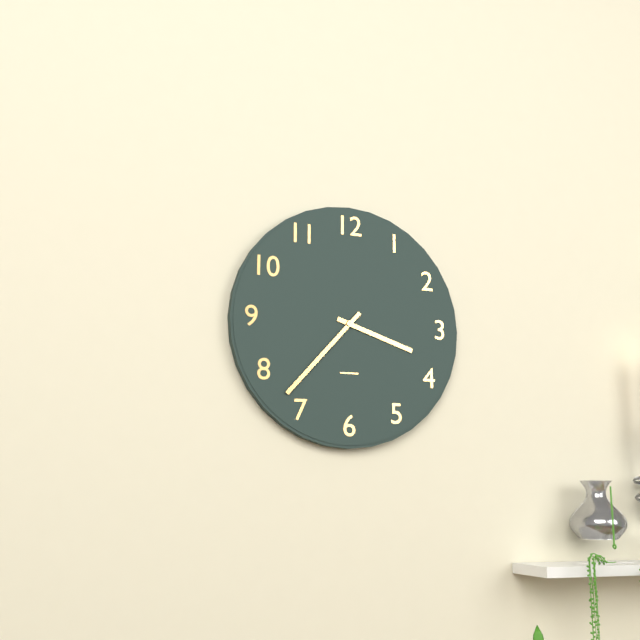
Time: 3h37
